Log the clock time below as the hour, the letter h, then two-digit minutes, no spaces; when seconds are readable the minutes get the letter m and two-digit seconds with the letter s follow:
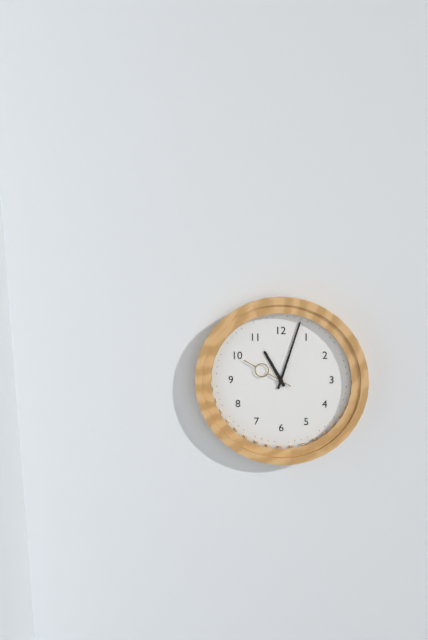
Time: 11h03m50s
